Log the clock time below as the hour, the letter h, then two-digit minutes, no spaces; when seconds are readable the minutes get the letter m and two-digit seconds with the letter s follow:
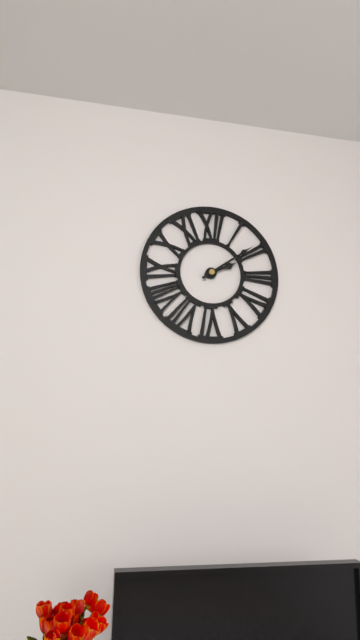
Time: 2h09
